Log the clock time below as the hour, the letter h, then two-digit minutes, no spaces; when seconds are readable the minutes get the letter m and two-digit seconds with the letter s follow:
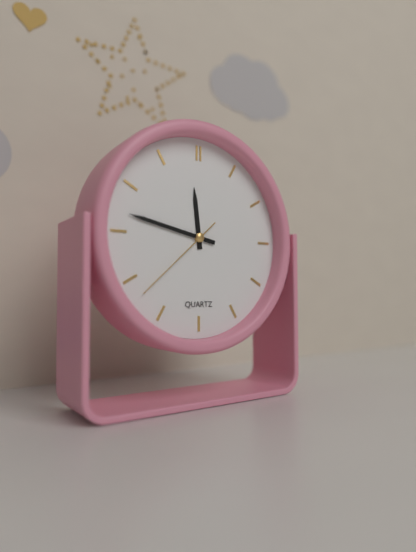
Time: 11h47m38s
